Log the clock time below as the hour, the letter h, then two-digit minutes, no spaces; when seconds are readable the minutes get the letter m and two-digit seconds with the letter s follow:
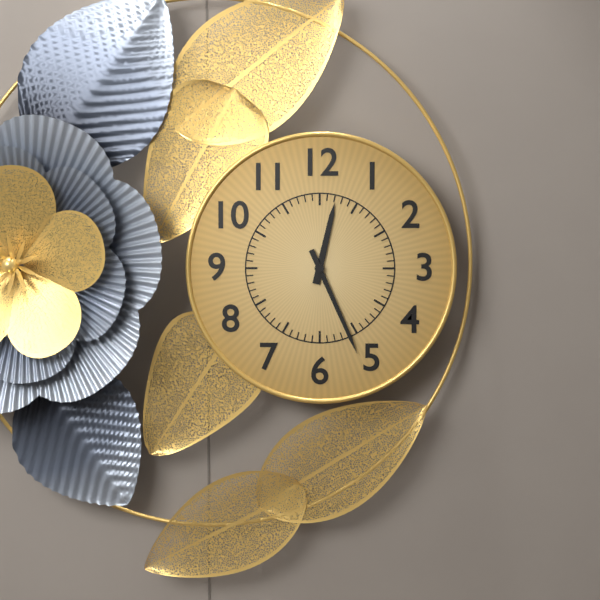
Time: 12h26
